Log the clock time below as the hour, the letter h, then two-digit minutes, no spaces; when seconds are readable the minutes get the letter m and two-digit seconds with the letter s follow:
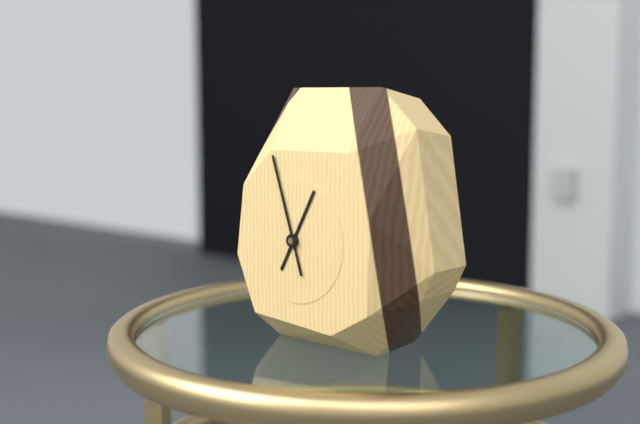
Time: 12h57
